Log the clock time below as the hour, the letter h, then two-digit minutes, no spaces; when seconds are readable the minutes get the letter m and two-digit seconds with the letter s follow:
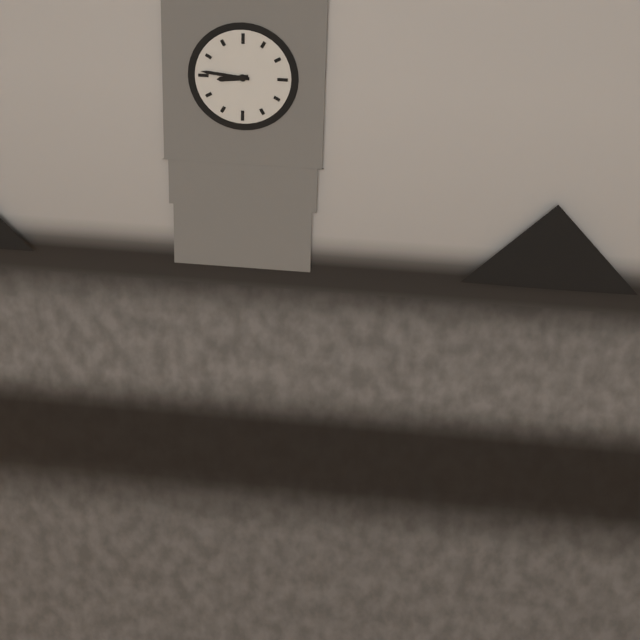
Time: 8h46
